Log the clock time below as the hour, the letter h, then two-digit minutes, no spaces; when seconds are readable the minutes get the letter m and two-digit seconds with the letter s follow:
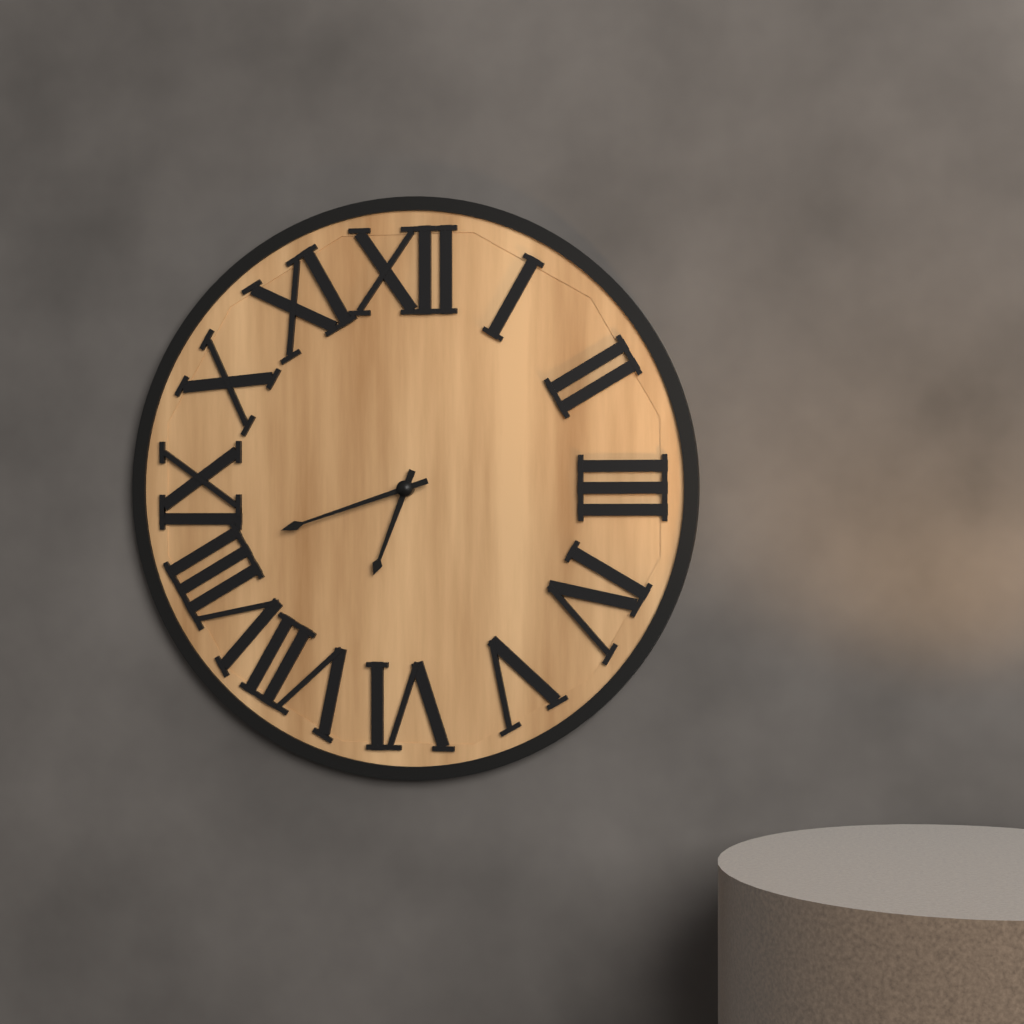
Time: 6h42
